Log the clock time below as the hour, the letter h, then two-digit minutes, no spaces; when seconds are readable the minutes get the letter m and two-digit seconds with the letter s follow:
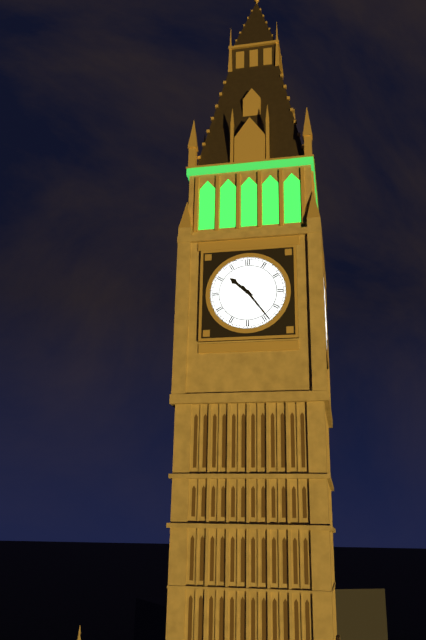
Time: 10h24
